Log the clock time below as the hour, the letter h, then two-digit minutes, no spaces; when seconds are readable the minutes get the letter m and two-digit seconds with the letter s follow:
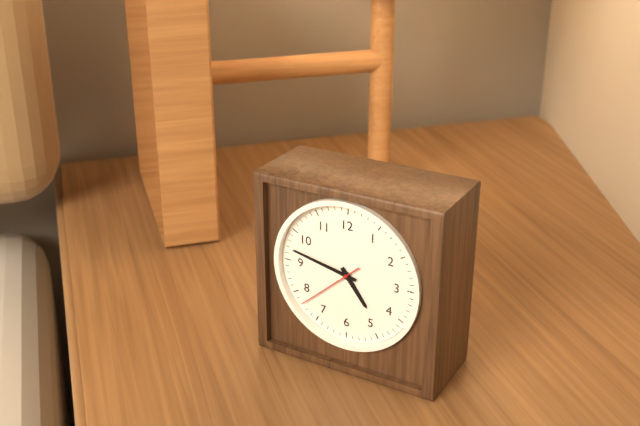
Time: 4h47m38s
